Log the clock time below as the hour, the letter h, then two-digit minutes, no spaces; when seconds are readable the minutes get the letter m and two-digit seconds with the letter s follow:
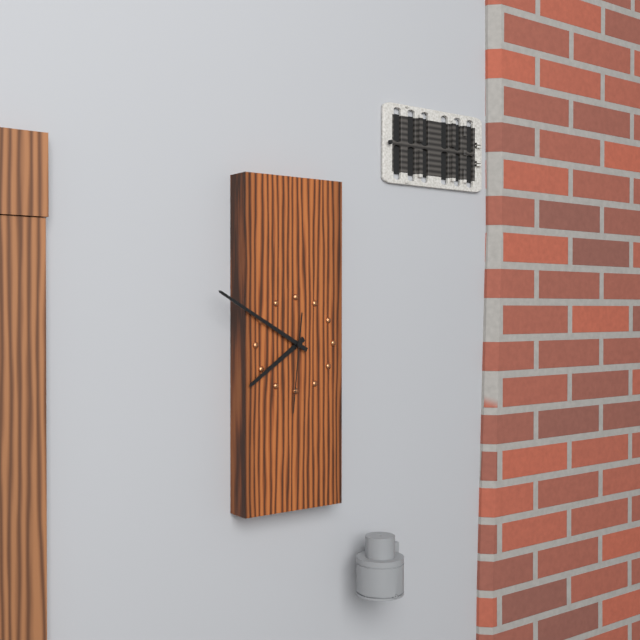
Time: 7h50m31s
